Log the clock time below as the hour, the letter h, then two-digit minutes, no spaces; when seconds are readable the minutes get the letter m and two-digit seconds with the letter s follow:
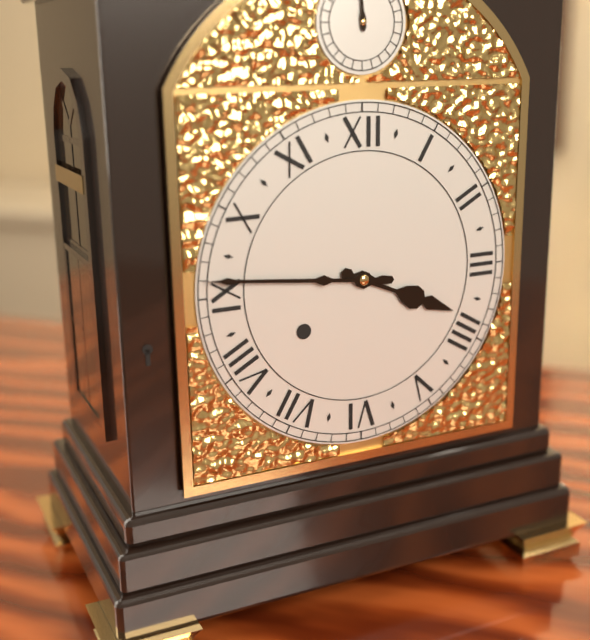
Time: 3h46
